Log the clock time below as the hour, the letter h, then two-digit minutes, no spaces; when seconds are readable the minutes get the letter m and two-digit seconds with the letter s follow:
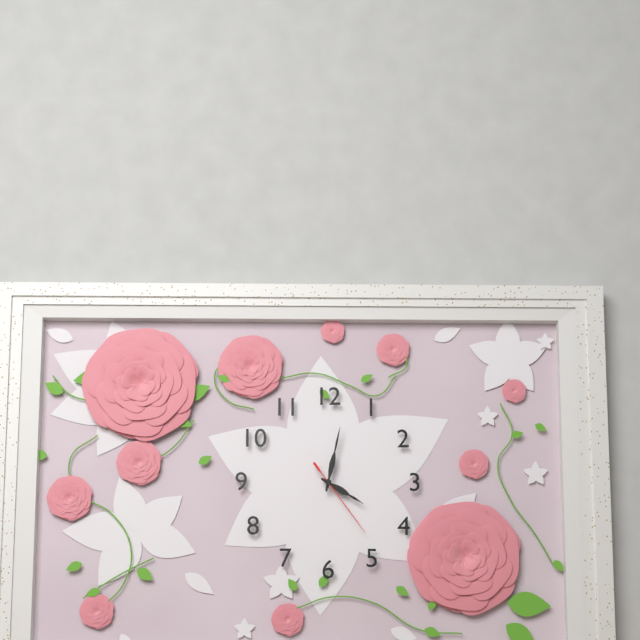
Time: 4h02m24s
